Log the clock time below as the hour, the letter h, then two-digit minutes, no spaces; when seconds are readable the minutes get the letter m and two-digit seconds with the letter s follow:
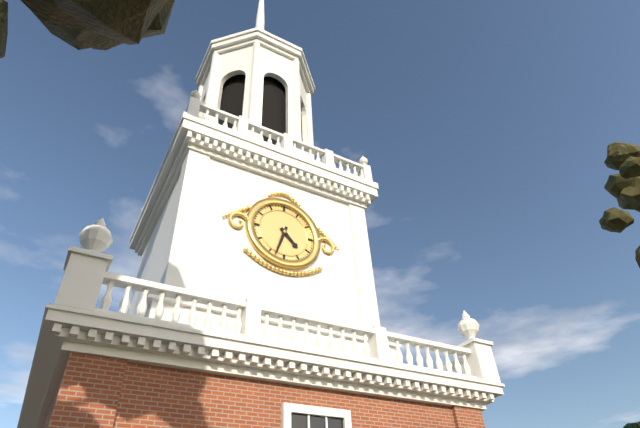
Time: 4h33
